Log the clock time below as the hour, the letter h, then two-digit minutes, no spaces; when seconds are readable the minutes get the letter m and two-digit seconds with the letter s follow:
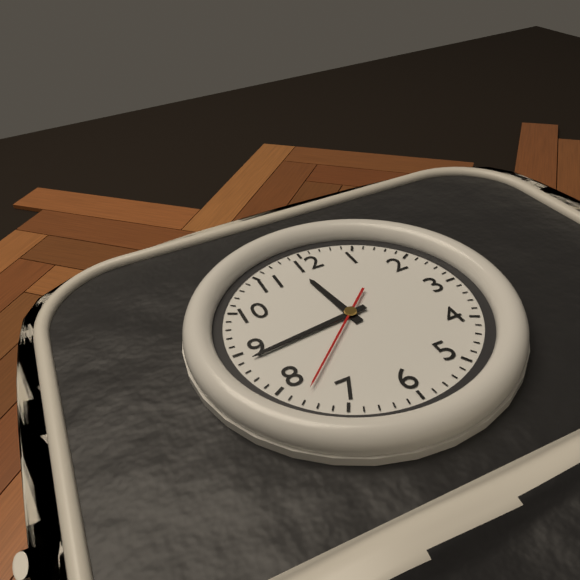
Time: 11h44m38s
